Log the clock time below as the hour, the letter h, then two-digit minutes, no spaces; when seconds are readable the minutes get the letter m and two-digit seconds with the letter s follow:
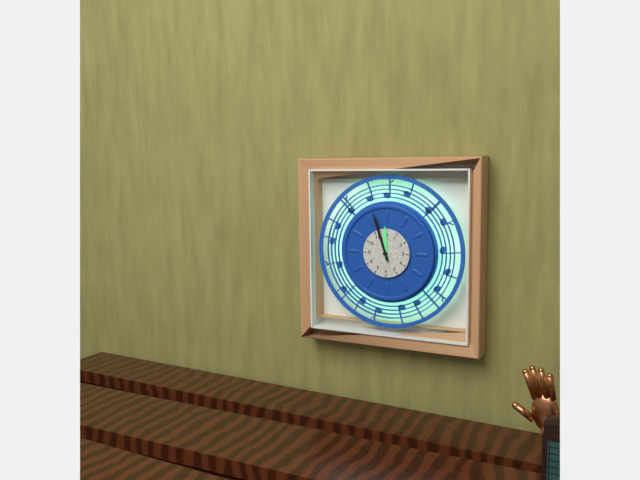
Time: 11h57m57s
